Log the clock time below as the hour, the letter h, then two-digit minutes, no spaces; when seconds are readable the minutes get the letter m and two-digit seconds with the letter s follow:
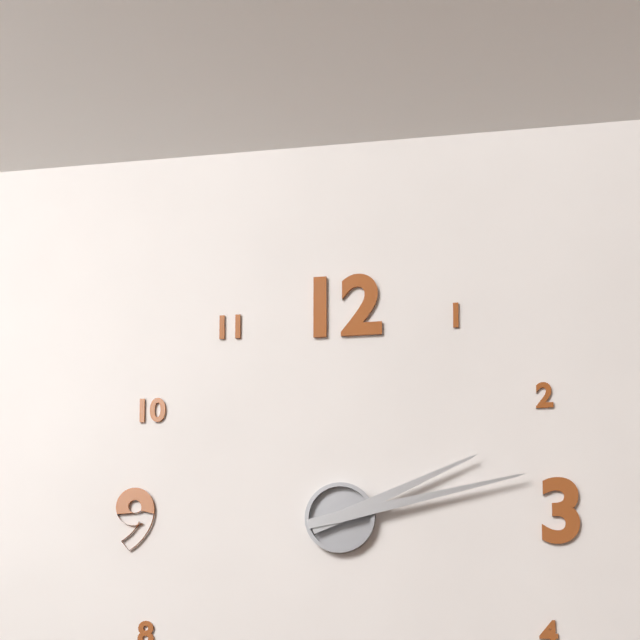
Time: 2h13
